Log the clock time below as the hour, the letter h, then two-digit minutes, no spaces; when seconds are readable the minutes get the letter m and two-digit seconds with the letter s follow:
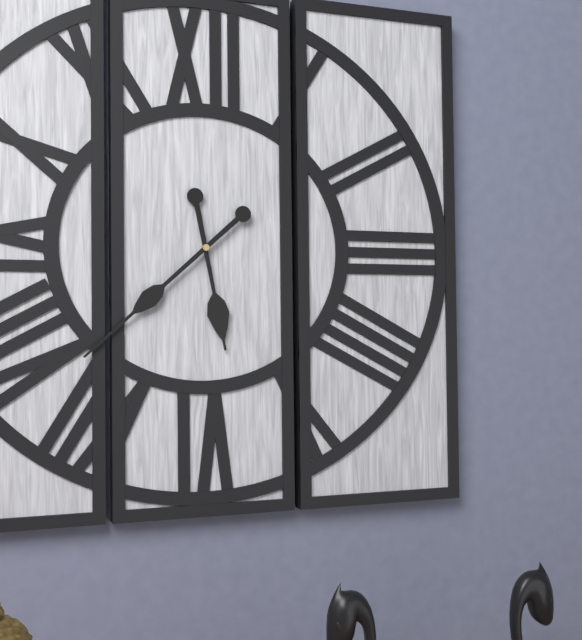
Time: 5h38
